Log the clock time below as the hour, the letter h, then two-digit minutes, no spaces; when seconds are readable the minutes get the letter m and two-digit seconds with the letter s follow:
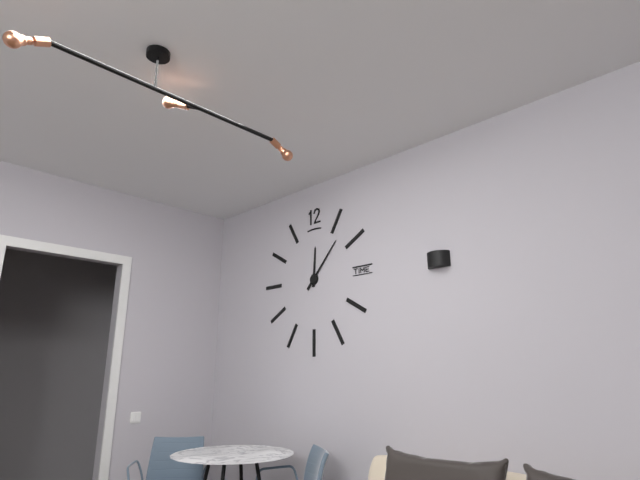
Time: 12h07
